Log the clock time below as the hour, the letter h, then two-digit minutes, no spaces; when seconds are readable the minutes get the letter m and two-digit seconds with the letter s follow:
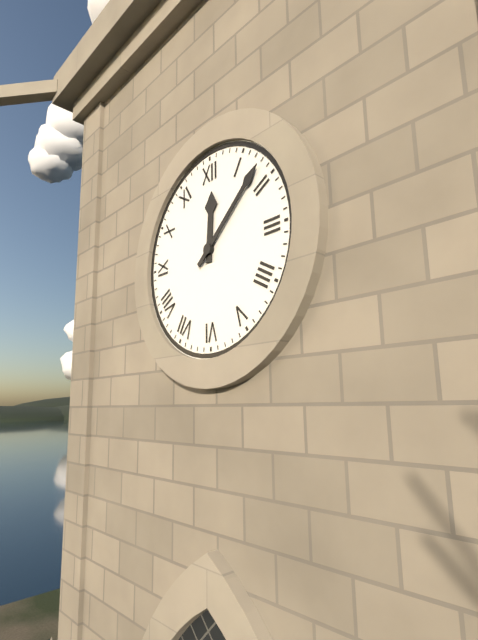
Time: 12h08
